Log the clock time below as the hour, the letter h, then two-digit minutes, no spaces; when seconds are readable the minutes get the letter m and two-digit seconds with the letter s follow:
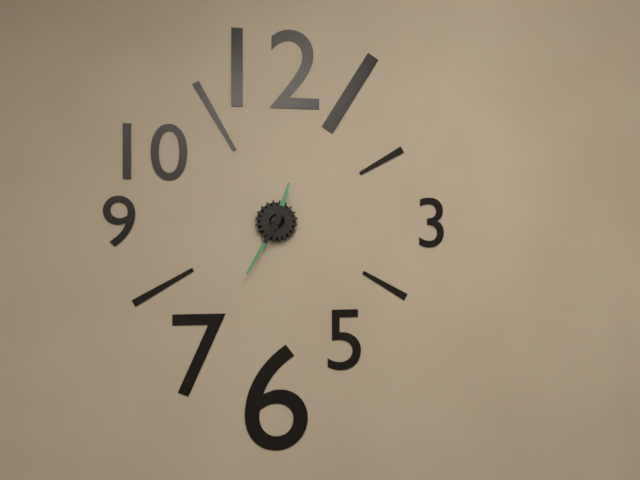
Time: 12h35
